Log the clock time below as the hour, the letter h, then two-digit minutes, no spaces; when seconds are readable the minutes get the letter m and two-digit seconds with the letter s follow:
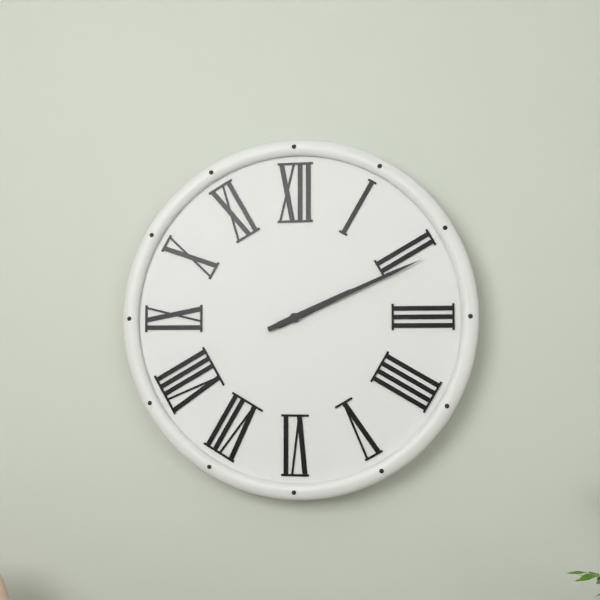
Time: 2h11
